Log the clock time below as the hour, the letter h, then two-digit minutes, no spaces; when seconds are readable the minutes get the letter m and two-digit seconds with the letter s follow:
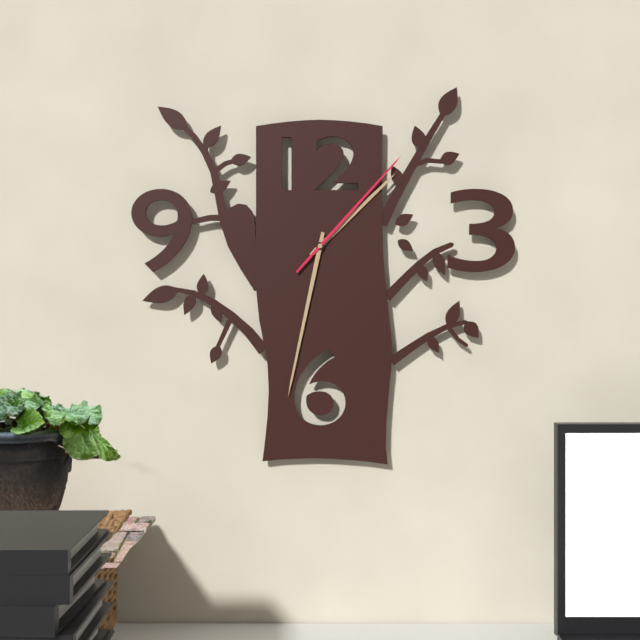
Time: 1h32m07s
